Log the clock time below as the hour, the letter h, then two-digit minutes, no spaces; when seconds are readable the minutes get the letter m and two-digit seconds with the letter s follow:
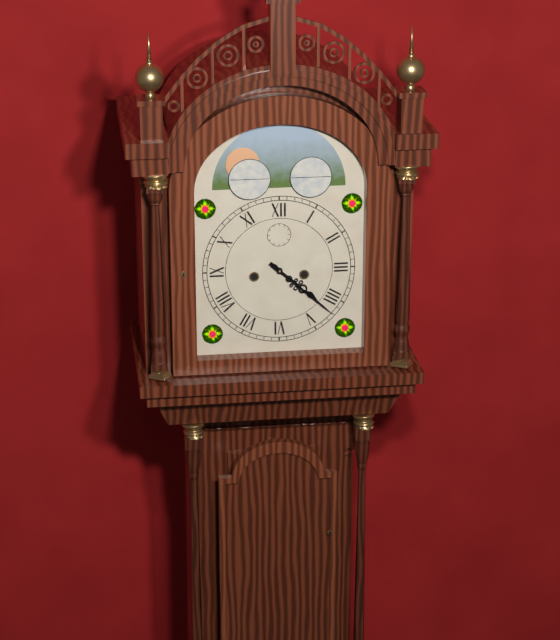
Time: 4h22
